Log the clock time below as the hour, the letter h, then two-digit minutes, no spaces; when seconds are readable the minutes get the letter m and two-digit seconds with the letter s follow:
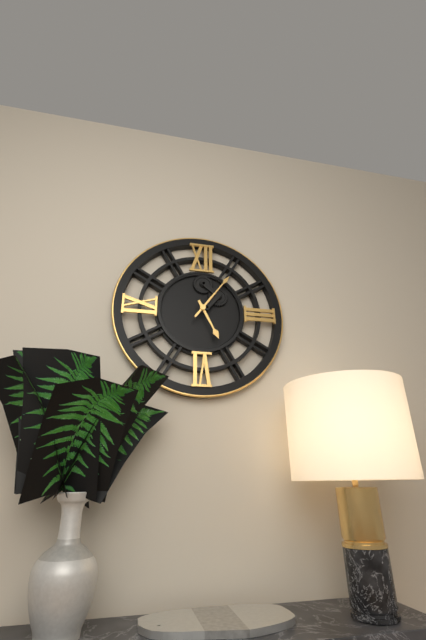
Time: 5h06
